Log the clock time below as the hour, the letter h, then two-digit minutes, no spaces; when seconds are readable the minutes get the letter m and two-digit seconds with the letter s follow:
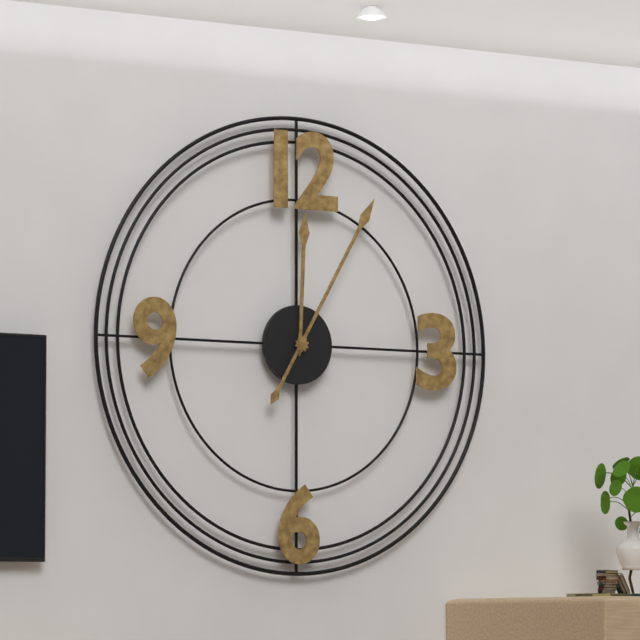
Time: 12h05
